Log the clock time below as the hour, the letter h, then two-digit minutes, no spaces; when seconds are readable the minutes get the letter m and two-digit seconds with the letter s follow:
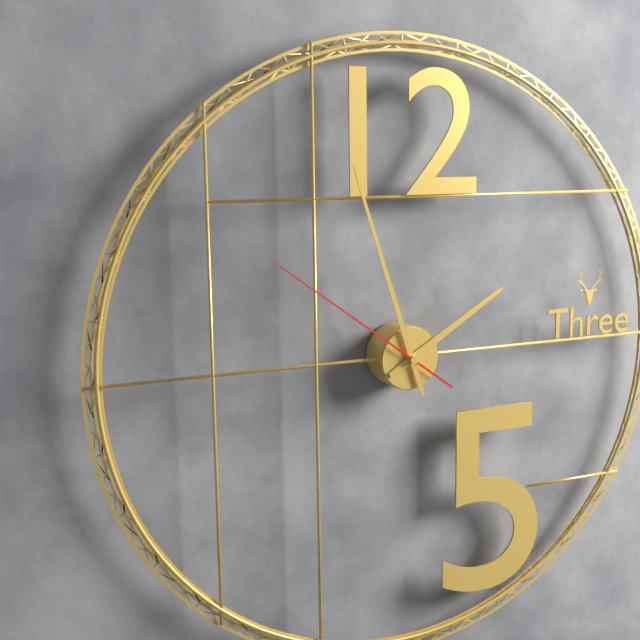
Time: 1h57m51s
